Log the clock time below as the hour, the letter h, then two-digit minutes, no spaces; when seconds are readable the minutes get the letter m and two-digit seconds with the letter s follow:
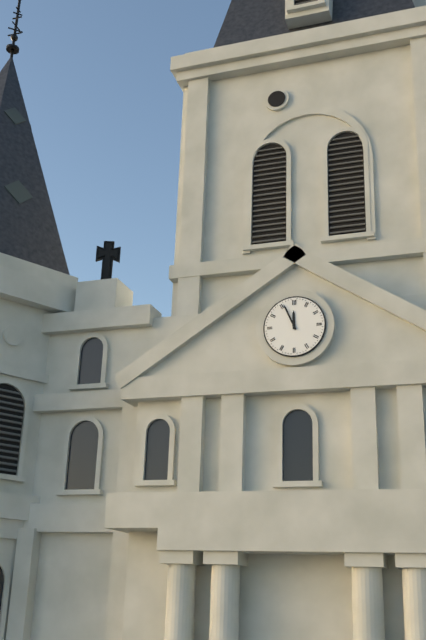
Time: 11h56
